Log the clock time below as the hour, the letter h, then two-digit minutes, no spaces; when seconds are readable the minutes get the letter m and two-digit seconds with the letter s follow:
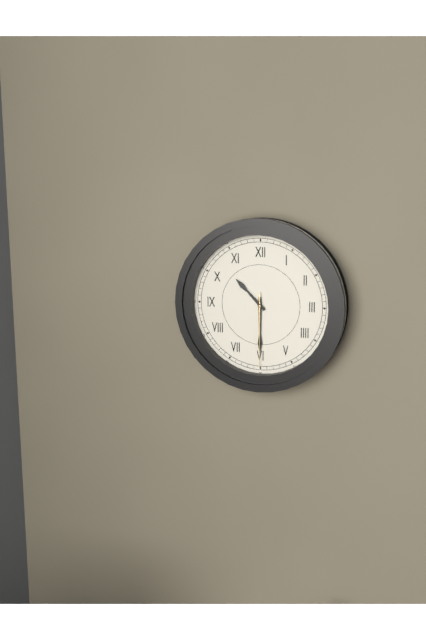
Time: 10h30m30s
